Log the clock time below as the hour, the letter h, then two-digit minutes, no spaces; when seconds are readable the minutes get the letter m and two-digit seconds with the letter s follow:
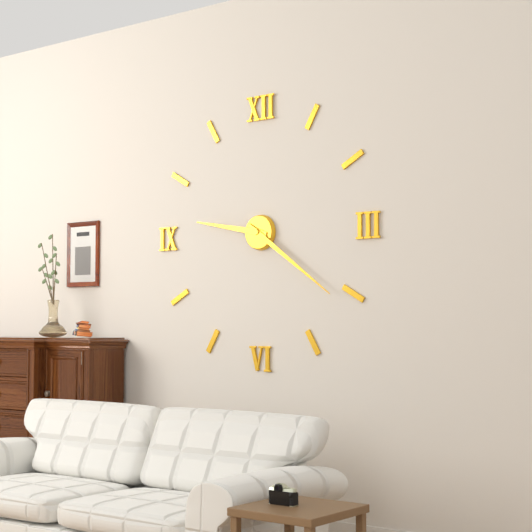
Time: 9h21
